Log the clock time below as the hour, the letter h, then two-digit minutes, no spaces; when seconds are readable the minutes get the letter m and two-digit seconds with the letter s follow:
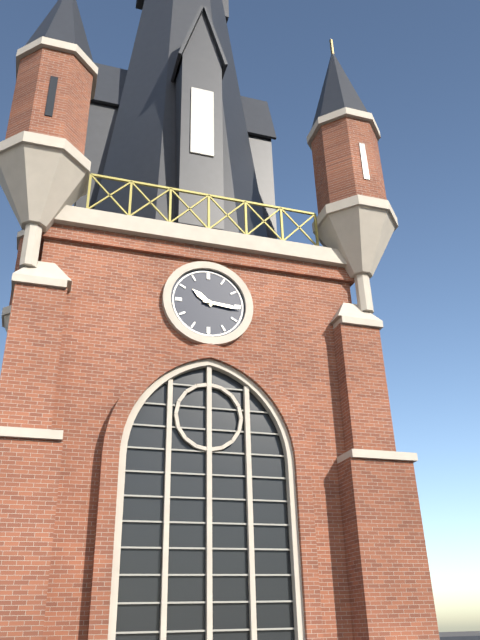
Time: 10h16
